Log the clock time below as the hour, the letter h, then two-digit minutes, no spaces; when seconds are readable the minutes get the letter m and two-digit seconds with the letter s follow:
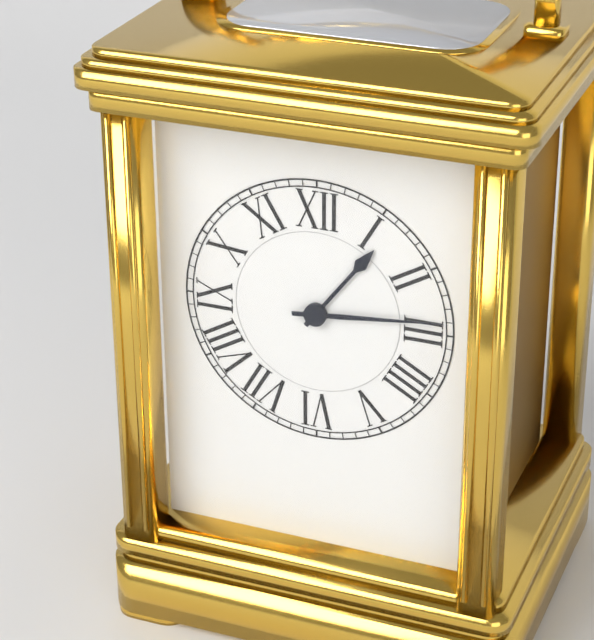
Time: 1h14
